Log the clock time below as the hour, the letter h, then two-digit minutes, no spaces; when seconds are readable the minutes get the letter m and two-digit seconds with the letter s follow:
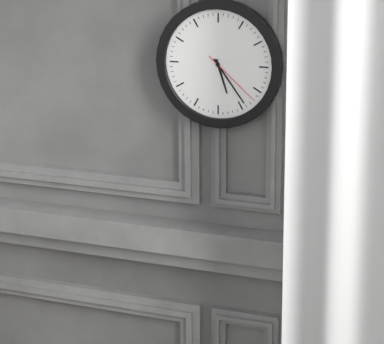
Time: 5h24m22s
